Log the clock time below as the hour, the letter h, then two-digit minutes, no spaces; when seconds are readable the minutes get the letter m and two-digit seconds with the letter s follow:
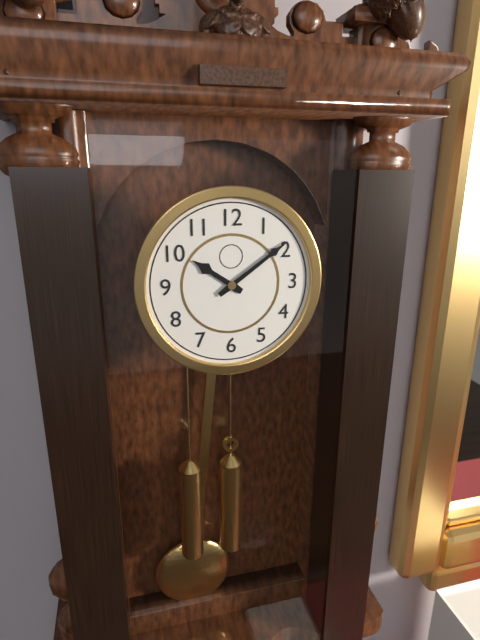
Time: 10h09
